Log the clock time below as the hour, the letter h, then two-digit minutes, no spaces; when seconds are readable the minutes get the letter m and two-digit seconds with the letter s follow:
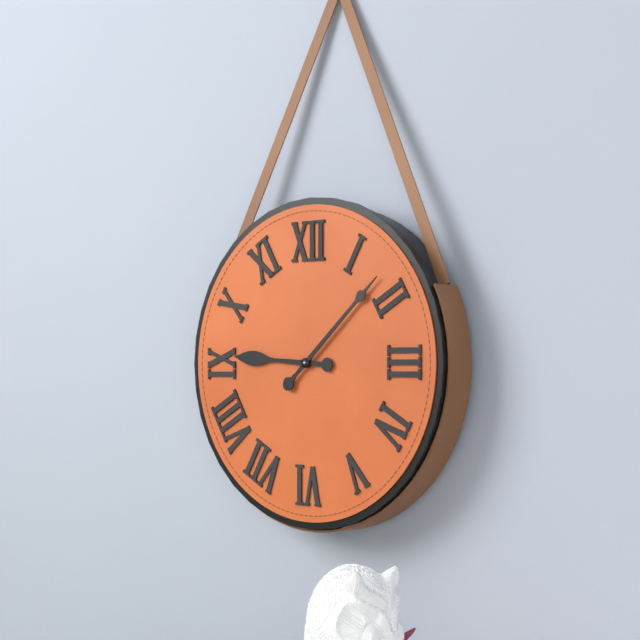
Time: 9h08
